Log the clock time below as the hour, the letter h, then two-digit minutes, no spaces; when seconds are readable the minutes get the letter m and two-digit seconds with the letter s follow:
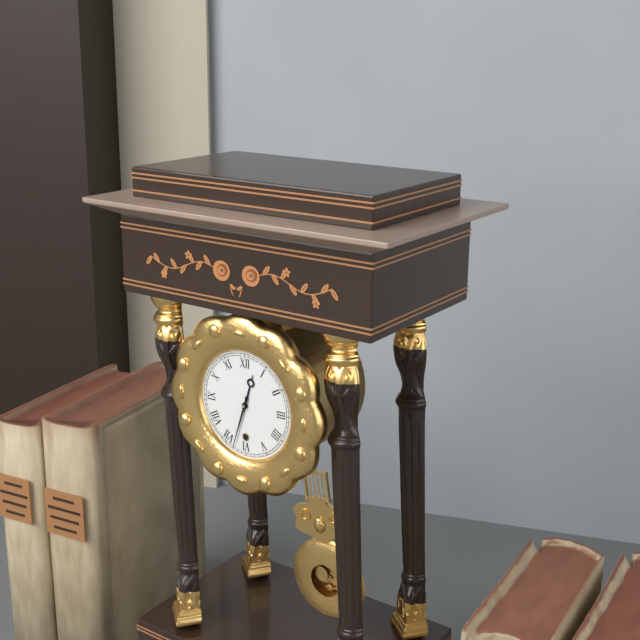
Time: 12h33
